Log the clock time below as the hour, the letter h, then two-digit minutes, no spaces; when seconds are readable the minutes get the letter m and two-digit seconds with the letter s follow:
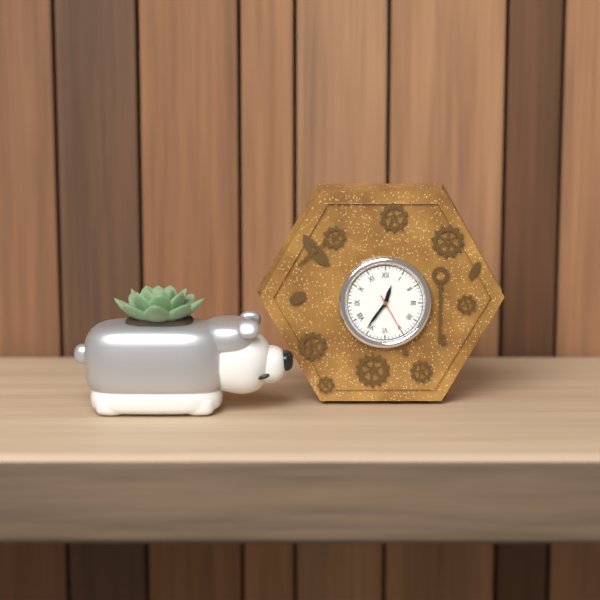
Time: 12h36
